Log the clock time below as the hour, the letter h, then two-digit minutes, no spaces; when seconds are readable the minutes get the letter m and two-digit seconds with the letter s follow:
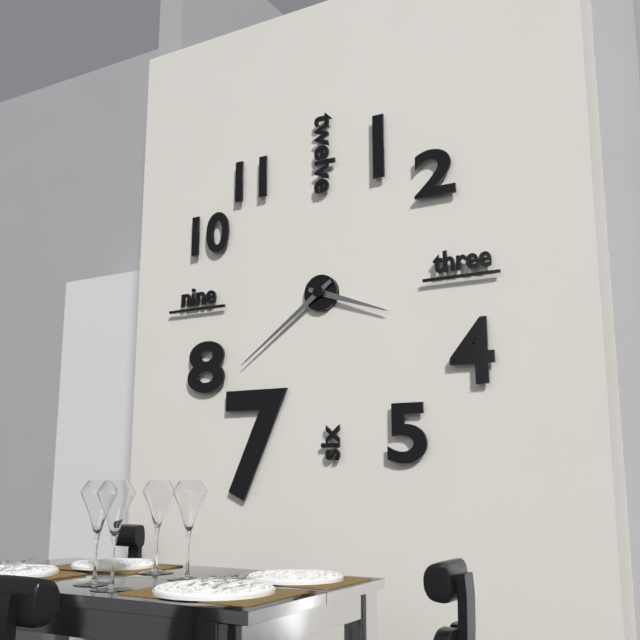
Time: 3h39
